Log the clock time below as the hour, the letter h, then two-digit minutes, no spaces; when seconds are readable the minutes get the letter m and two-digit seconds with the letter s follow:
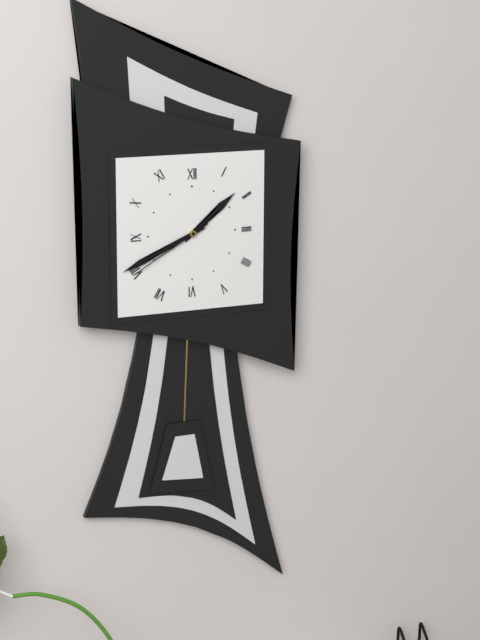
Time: 1h41m40s
